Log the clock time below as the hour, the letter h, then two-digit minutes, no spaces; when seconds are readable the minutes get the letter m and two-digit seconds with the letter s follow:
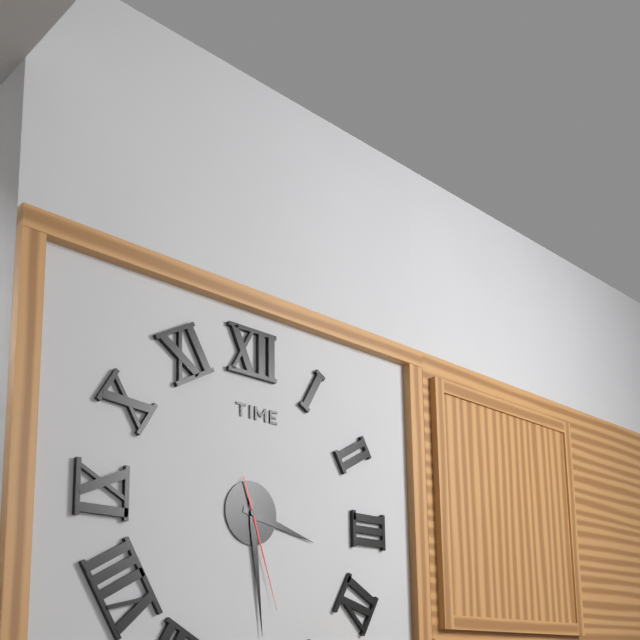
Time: 3h29m27s
